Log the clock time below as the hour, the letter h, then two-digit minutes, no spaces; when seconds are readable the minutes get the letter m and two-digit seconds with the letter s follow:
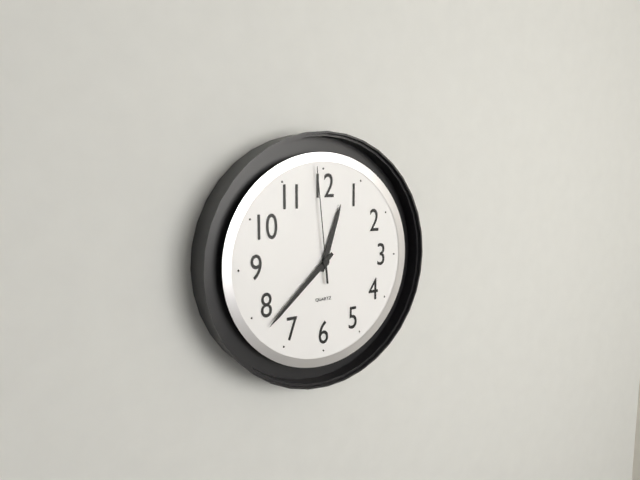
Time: 12h38m59s
